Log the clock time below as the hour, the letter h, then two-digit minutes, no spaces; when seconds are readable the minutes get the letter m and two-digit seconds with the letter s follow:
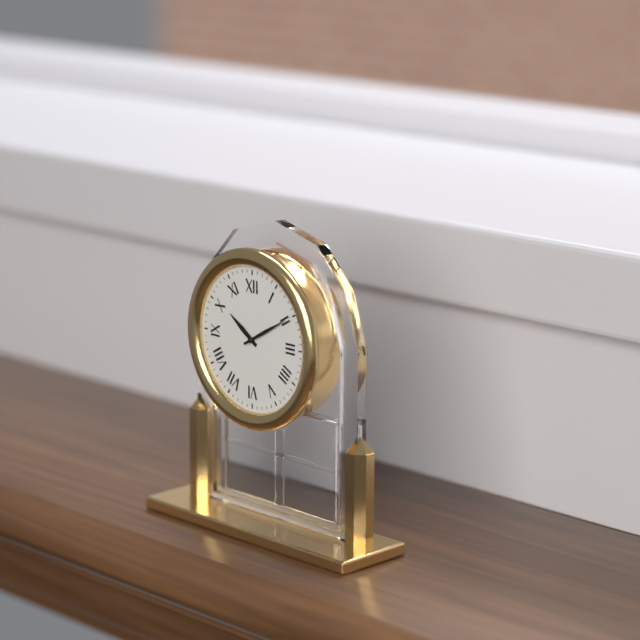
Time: 10h10
